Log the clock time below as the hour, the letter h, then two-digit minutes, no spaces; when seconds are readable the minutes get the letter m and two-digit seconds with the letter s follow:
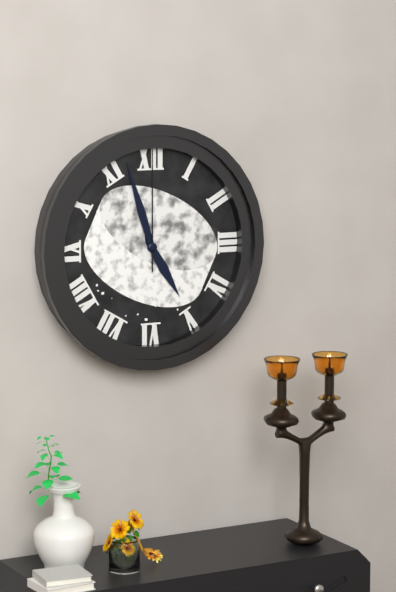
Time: 4h57m00s
